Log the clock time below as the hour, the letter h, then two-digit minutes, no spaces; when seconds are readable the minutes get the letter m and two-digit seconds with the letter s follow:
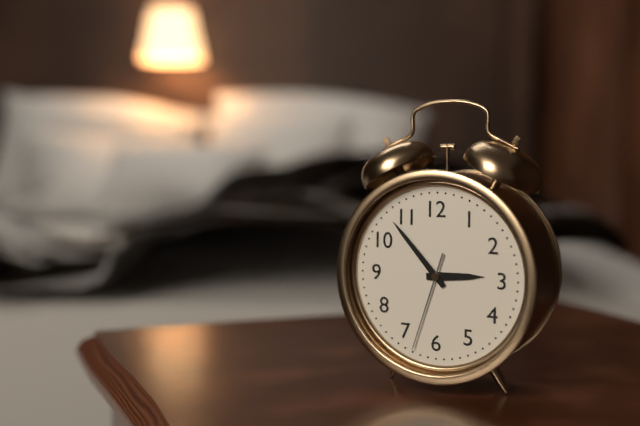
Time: 2h53m33s
